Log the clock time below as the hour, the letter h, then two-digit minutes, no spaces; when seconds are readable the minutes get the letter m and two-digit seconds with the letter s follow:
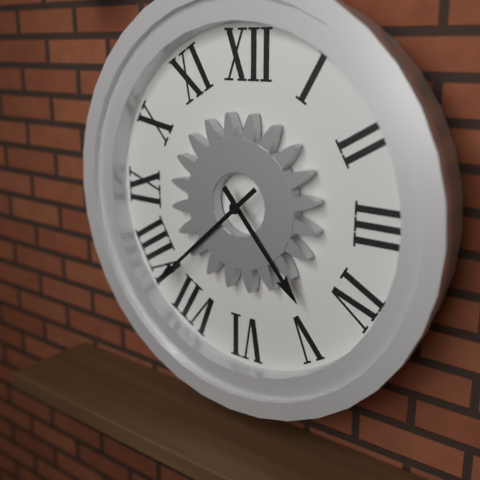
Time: 4h38
